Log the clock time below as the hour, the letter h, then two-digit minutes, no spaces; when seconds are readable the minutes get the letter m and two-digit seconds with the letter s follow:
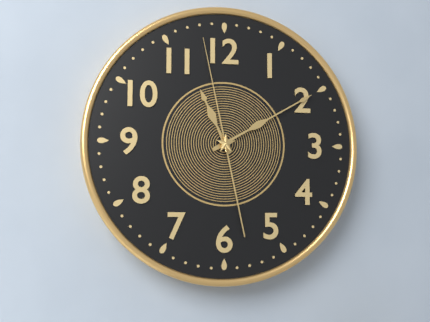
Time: 11h10m58s
